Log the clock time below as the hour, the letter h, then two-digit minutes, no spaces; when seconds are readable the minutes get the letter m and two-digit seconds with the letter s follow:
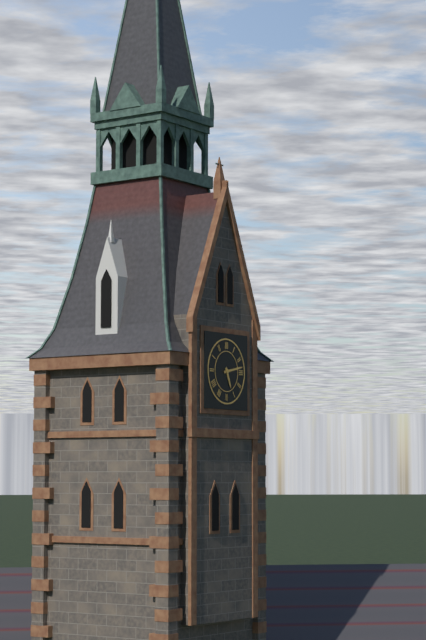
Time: 5h13
